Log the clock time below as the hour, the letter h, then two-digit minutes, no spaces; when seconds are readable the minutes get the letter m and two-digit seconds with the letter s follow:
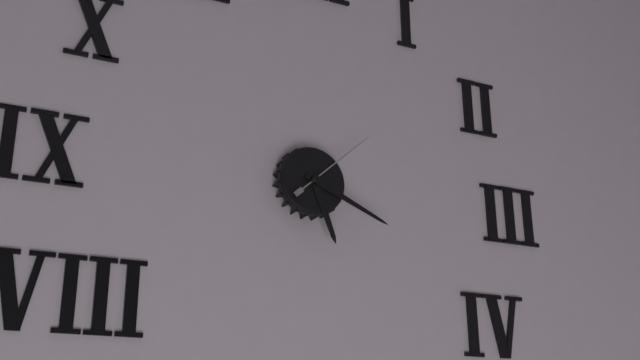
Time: 5h19m08s
